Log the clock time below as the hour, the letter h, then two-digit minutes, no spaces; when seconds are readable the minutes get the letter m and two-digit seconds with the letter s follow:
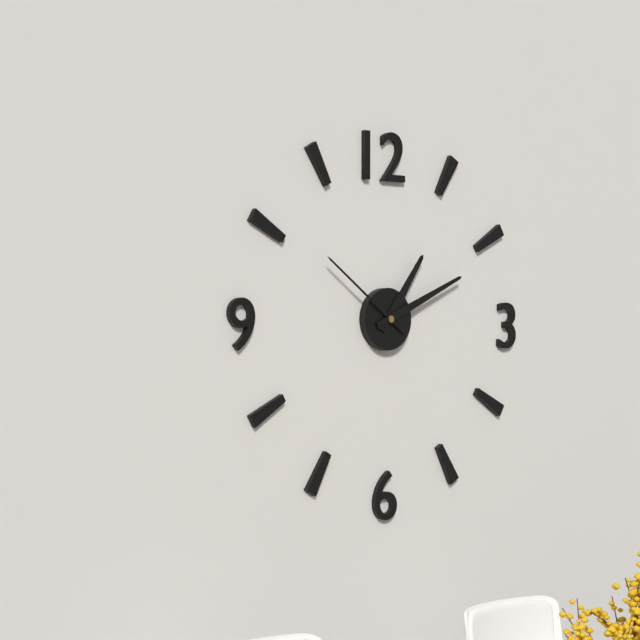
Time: 1h11m51s
